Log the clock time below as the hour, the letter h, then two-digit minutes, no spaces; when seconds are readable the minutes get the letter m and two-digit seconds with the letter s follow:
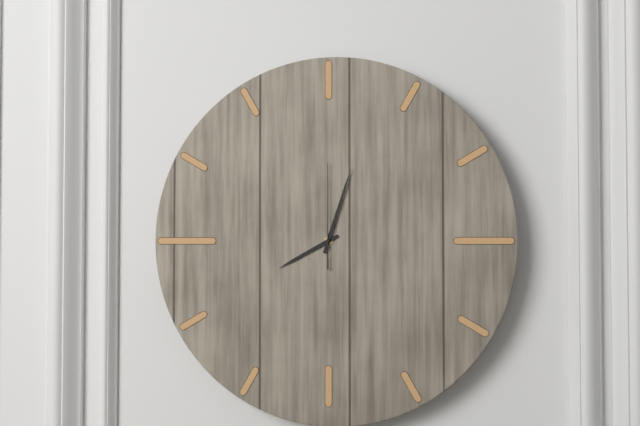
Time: 8h03m00s
